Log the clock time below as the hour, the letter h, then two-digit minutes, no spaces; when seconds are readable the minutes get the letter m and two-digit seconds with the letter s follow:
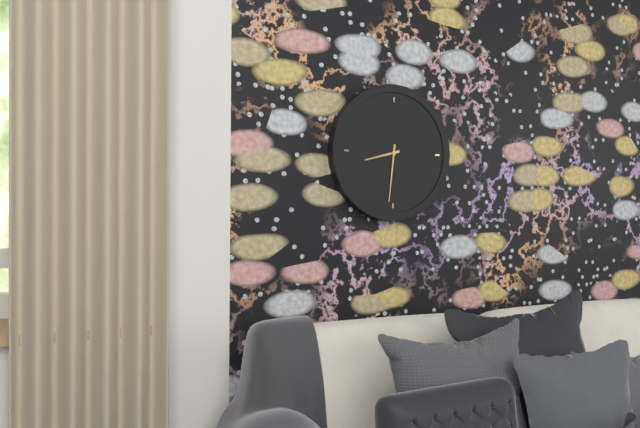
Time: 8h31
